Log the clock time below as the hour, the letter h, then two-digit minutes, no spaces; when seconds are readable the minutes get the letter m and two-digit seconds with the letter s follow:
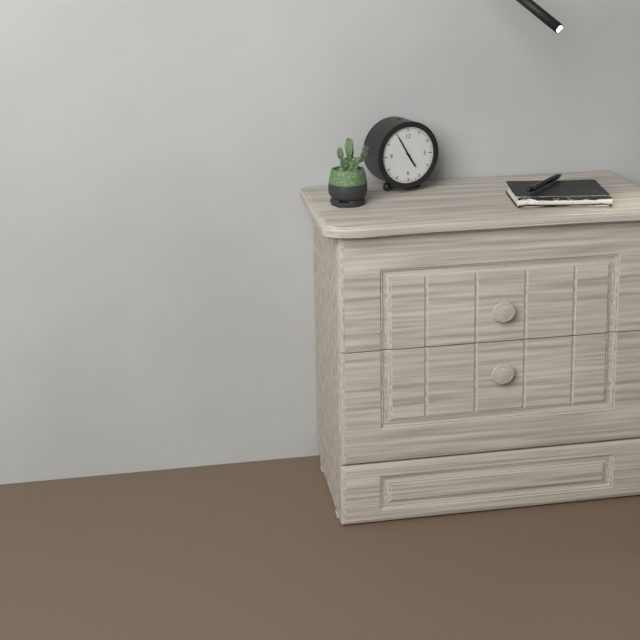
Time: 4h55
